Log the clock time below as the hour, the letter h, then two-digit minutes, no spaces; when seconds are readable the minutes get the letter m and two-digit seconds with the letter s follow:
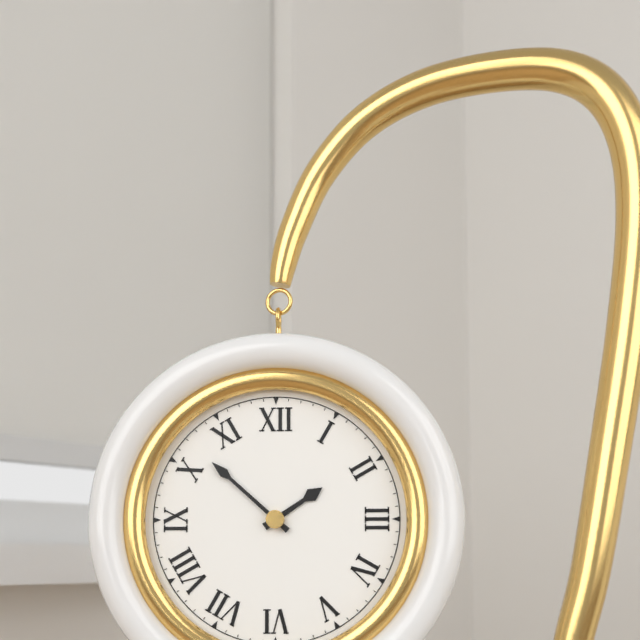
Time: 1h52
